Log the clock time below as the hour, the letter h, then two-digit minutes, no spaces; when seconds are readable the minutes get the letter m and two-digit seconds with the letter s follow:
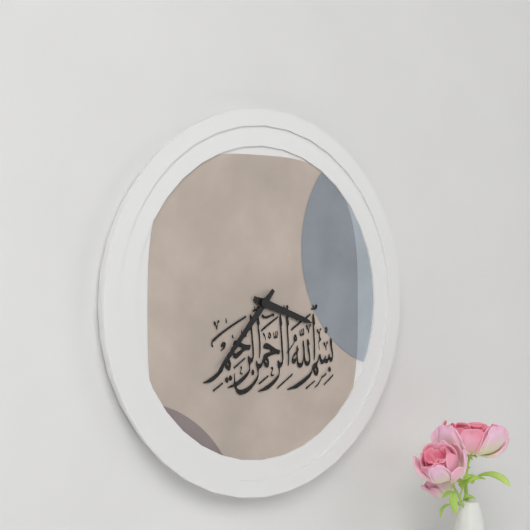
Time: 3h37
